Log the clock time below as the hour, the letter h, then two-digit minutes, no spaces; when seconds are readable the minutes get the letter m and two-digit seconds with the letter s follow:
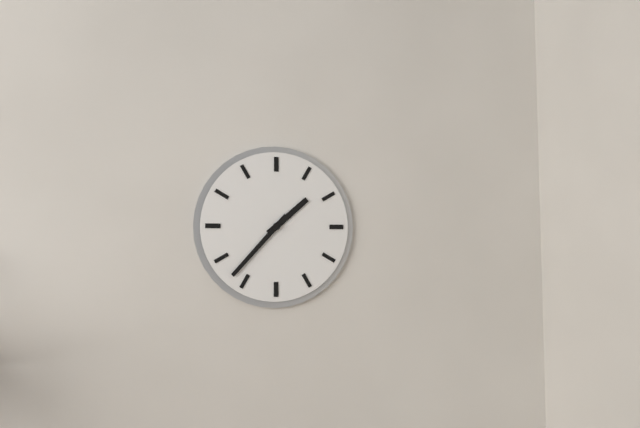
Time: 1h37
